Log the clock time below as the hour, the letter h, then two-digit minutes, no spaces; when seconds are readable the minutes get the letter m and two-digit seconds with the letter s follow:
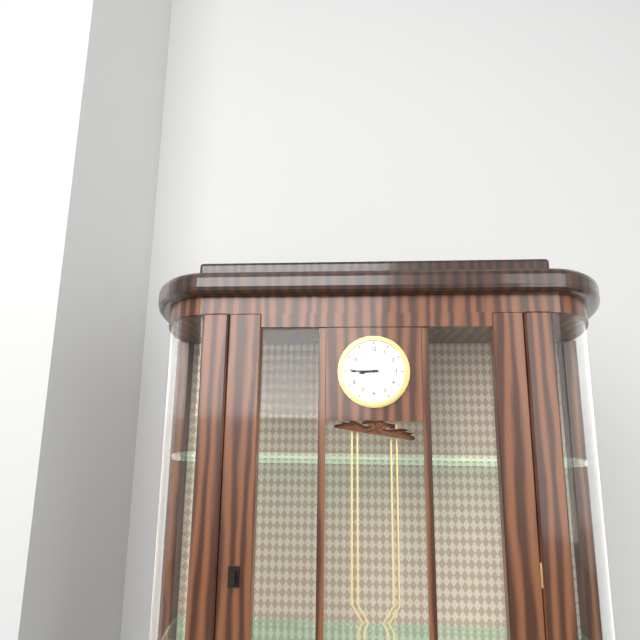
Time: 8h45
